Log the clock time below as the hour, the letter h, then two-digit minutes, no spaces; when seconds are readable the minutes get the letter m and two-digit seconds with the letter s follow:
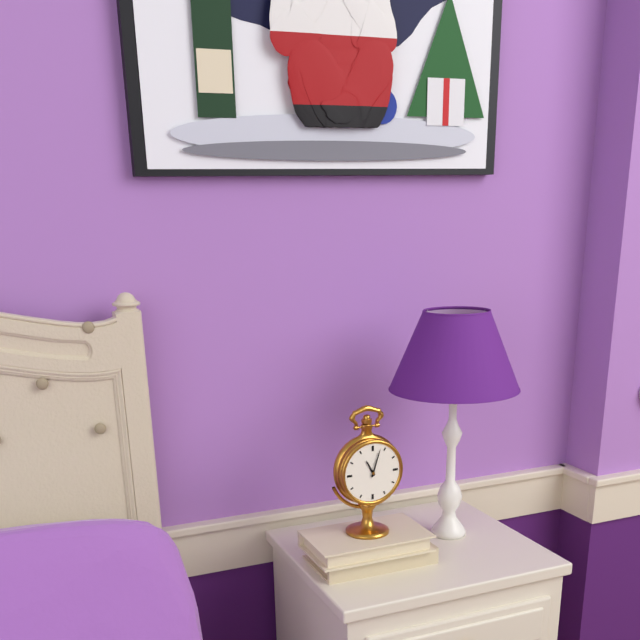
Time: 11h03
